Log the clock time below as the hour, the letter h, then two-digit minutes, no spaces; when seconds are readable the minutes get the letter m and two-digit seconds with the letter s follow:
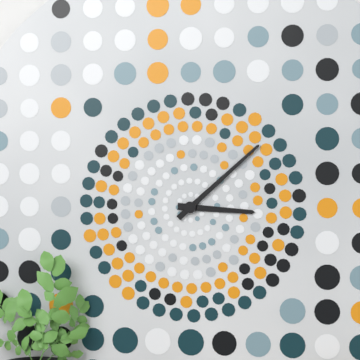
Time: 3h08
